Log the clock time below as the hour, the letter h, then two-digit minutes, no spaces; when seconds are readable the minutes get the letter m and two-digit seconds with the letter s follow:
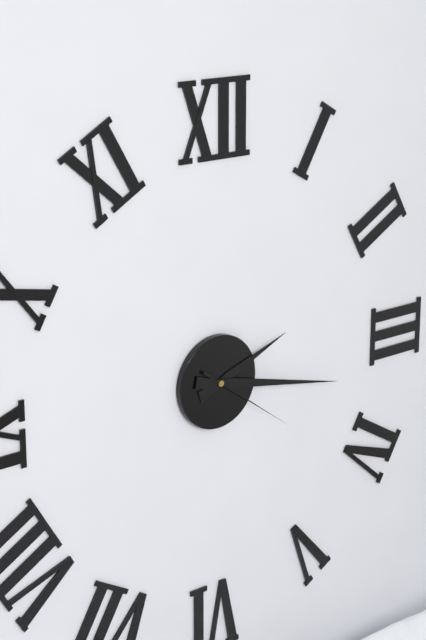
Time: 2h17m21s
